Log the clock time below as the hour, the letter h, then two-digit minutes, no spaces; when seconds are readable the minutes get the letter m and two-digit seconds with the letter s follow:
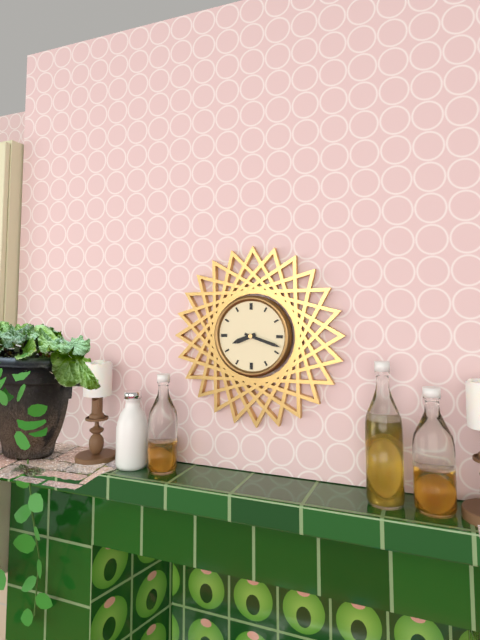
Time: 8h18
